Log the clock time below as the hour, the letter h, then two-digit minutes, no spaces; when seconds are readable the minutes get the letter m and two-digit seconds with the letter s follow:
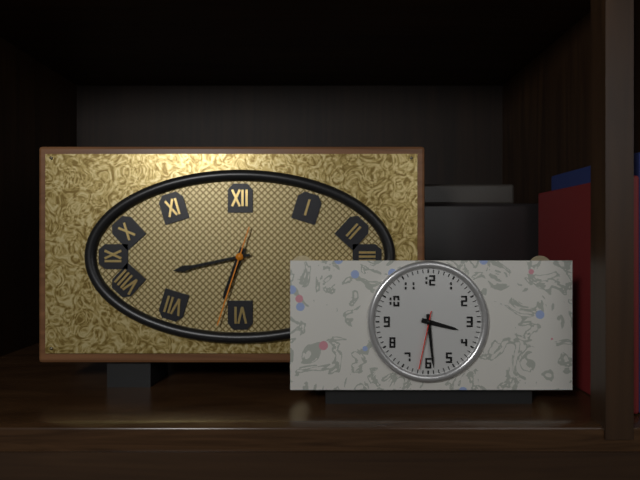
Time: 6h43m33s
